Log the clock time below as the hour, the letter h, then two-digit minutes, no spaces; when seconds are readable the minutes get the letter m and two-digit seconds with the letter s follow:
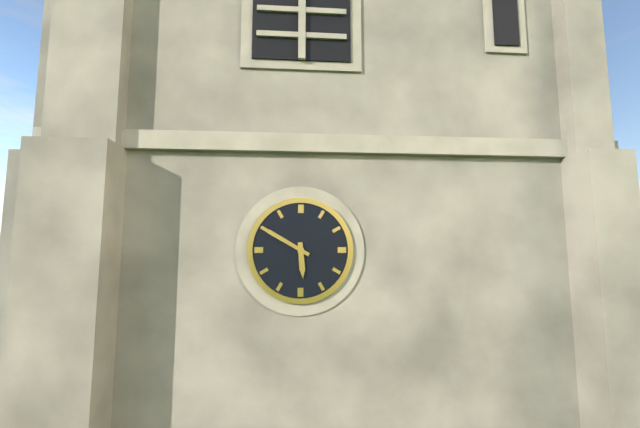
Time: 5h50
